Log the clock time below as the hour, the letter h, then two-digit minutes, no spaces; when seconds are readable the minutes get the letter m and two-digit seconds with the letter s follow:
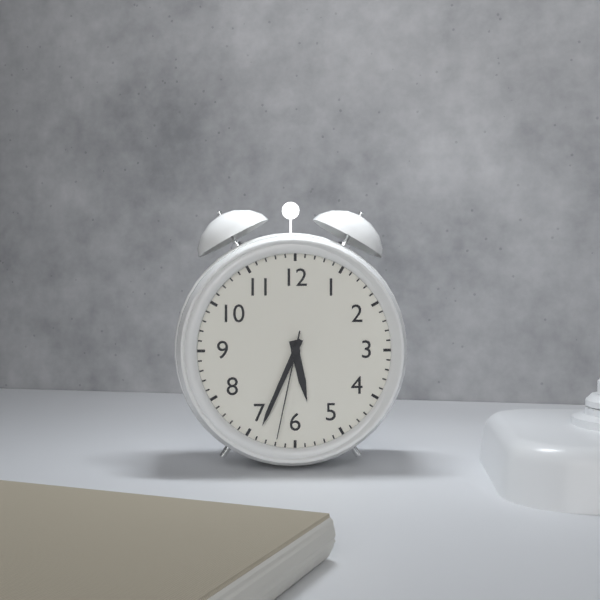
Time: 5h34m32s
